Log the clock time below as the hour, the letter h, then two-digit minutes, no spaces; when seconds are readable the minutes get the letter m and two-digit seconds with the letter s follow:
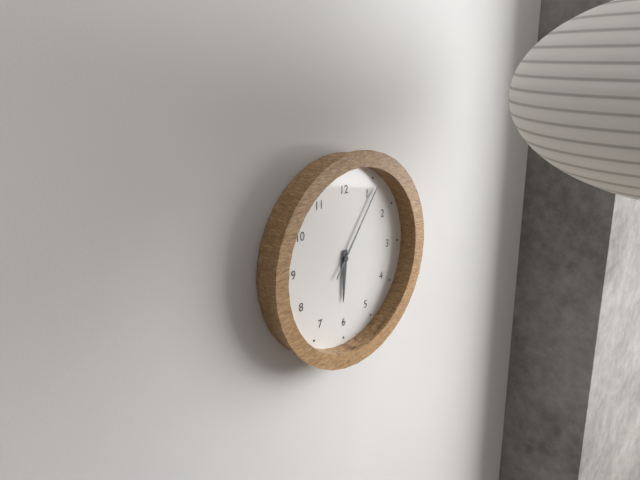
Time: 6h06
